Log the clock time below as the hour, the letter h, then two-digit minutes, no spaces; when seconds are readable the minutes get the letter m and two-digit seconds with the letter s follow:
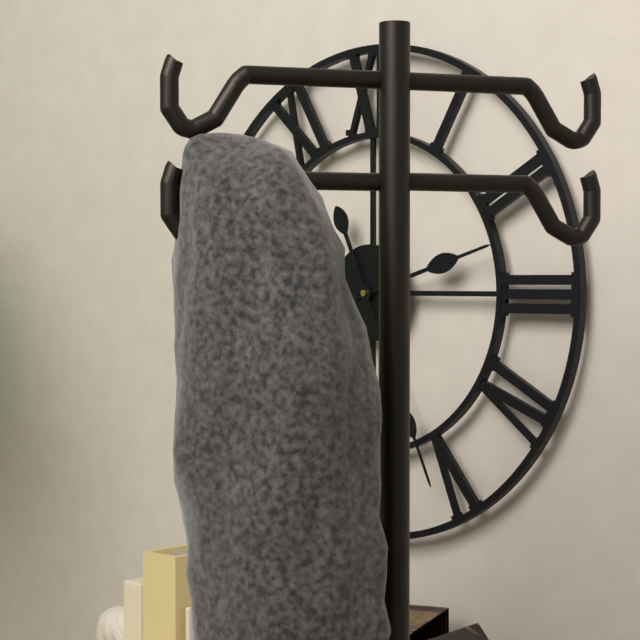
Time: 2h26
